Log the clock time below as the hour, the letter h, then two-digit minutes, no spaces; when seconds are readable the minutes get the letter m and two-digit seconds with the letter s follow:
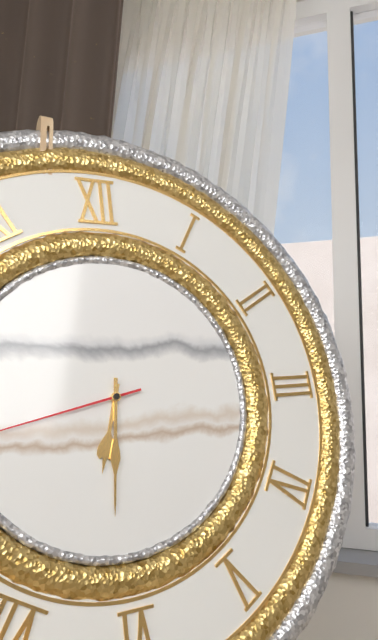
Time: 6h31
